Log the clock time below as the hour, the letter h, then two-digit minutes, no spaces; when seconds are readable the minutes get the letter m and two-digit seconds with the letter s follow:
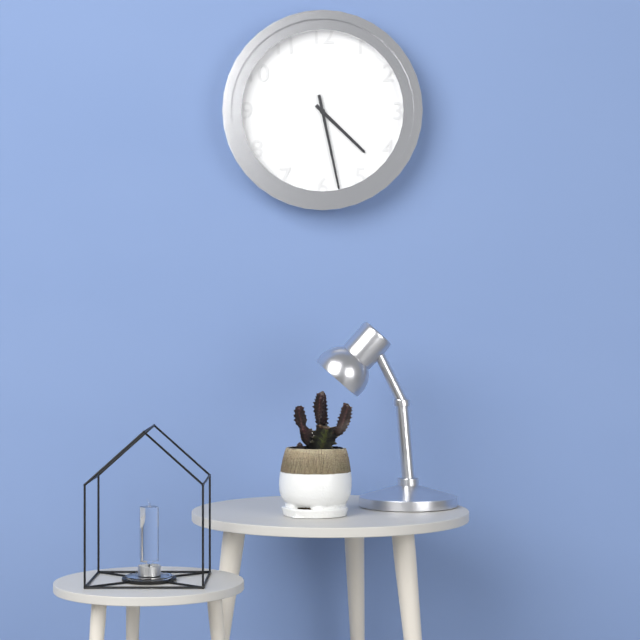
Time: 4h28
